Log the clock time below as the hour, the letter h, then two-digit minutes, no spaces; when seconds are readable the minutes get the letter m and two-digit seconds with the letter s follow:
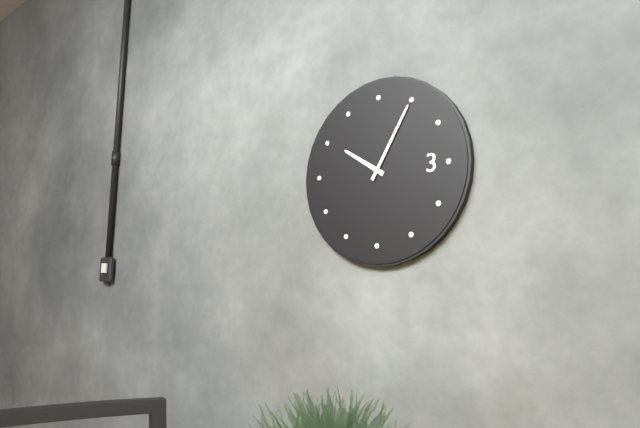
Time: 10h05
